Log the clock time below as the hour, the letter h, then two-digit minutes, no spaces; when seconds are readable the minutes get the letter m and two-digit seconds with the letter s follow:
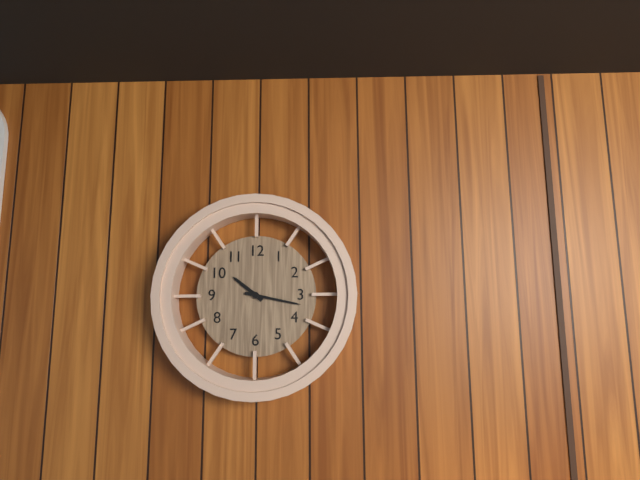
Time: 10h17
